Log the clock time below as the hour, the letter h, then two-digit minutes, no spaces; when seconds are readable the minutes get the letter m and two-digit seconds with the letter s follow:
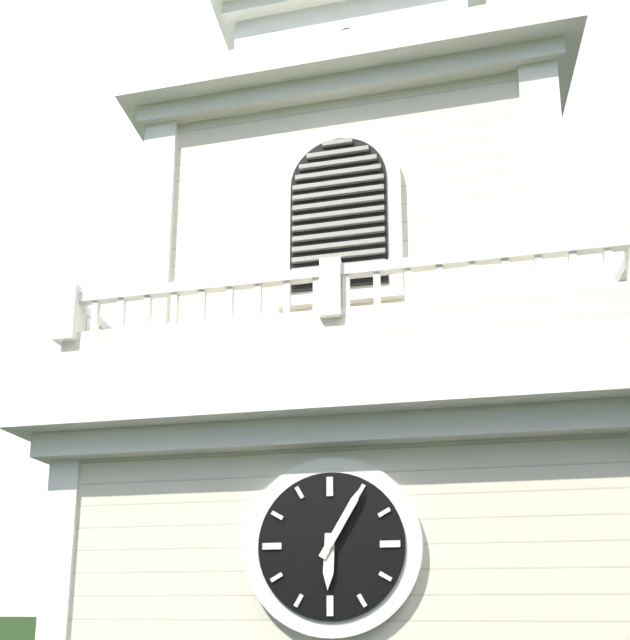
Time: 6h05
